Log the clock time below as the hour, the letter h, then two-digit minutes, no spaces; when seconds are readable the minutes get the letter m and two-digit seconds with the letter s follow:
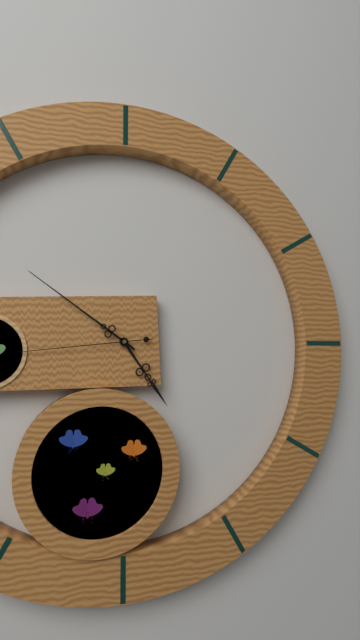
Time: 4h51m44s
